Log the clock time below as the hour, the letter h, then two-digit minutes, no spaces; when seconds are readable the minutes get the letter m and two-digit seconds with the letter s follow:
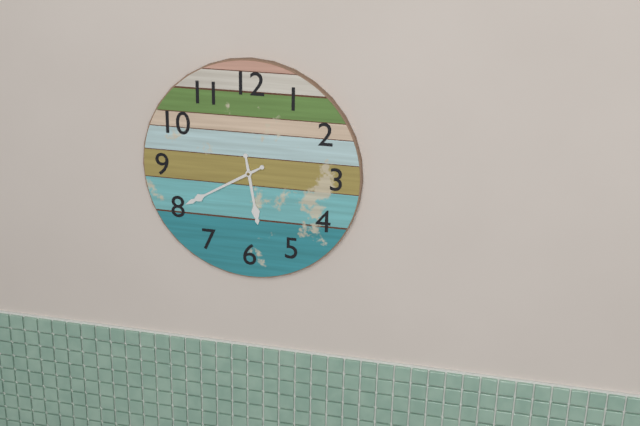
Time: 5h40
